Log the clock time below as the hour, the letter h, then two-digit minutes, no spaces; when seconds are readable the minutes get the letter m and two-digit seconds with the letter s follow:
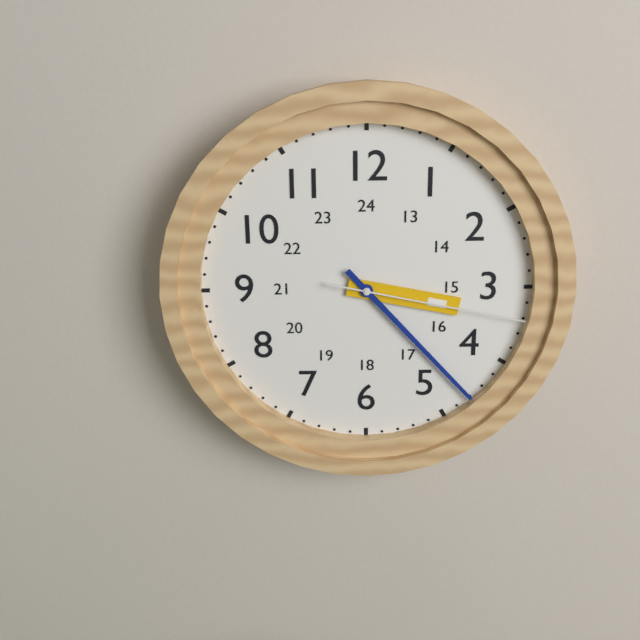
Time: 3h23m17s
